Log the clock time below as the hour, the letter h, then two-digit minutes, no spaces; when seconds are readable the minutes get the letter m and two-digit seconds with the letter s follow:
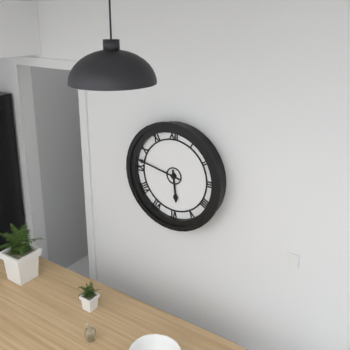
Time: 5h47
